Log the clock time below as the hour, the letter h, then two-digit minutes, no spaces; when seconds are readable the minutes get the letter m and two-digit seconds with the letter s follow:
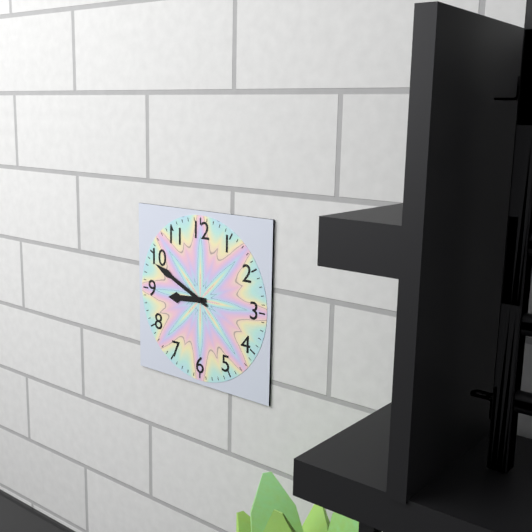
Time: 8h49
